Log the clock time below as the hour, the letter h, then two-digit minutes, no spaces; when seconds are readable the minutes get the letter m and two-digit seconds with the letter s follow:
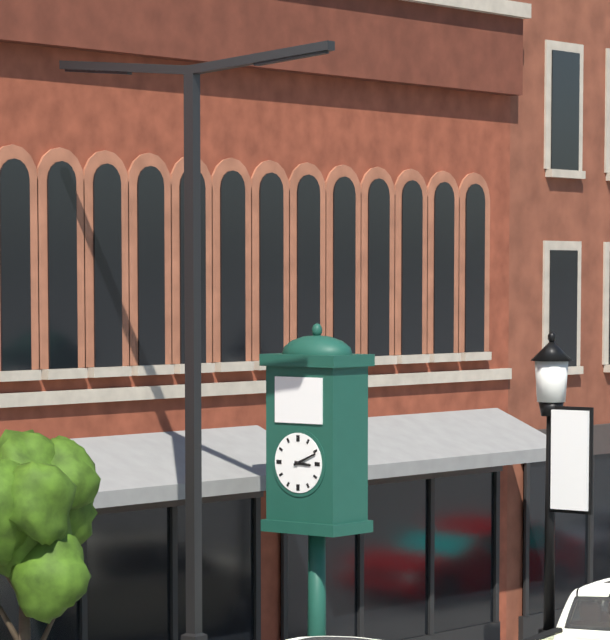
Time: 3h11
